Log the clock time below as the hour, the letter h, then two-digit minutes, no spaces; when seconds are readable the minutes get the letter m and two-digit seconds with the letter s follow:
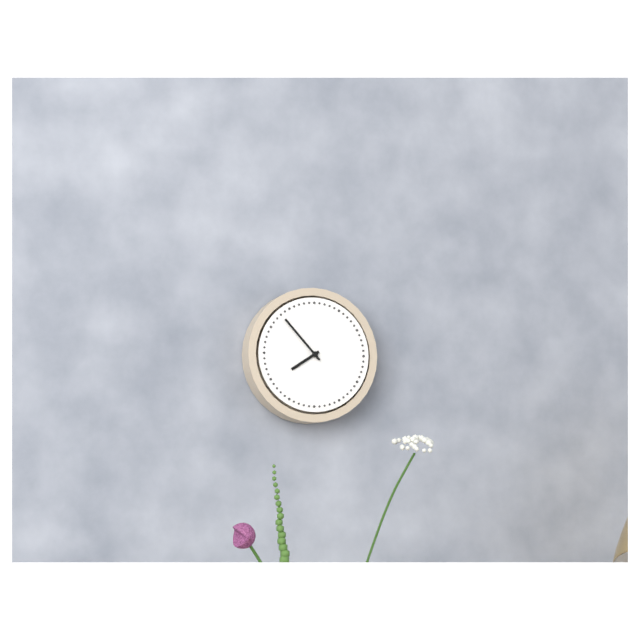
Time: 7h53
